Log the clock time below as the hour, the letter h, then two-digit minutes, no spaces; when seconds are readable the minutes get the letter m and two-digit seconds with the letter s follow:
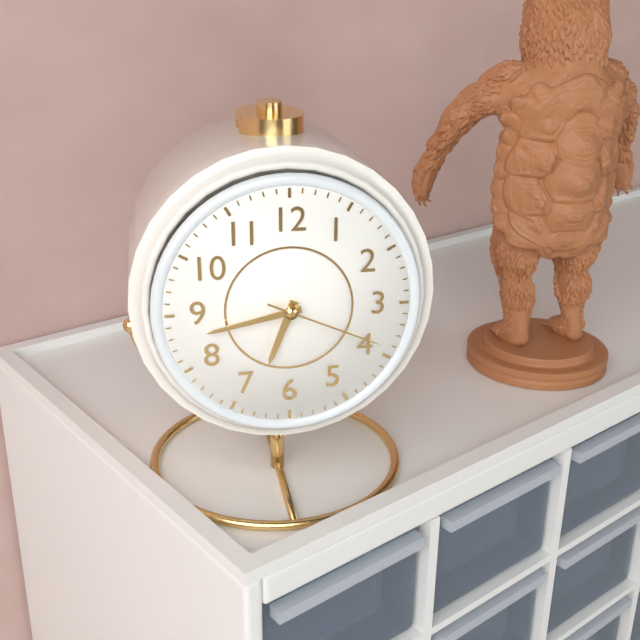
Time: 6h43m19s
